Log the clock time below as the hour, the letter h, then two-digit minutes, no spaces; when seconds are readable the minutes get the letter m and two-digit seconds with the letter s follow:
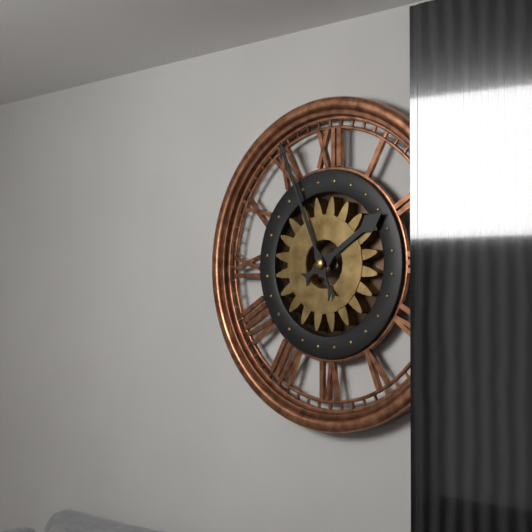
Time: 1h56
